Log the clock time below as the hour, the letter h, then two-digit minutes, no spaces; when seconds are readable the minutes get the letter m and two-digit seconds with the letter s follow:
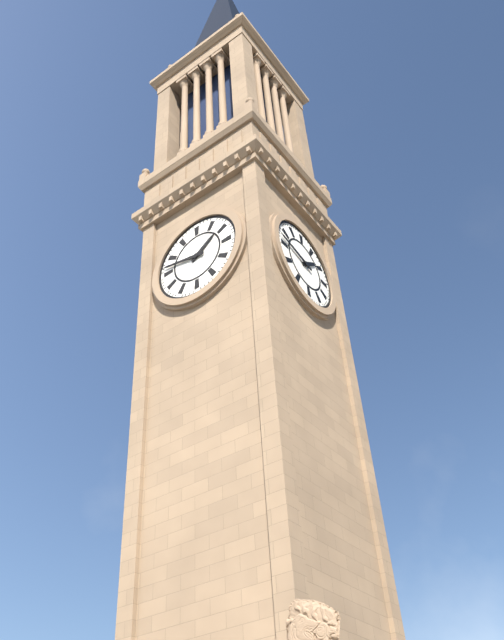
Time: 1h47
